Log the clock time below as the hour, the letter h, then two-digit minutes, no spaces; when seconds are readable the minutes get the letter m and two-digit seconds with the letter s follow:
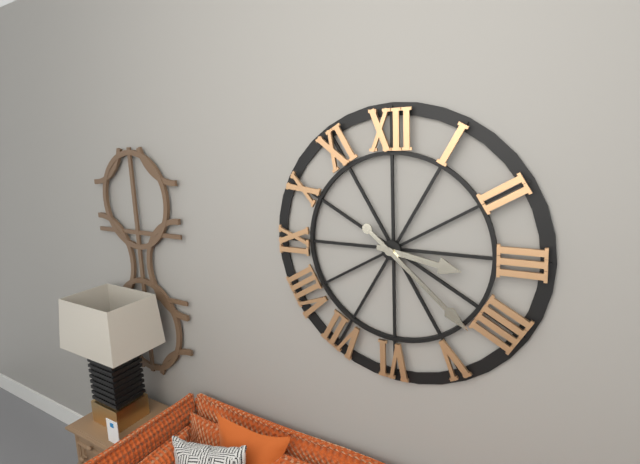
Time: 3h22
